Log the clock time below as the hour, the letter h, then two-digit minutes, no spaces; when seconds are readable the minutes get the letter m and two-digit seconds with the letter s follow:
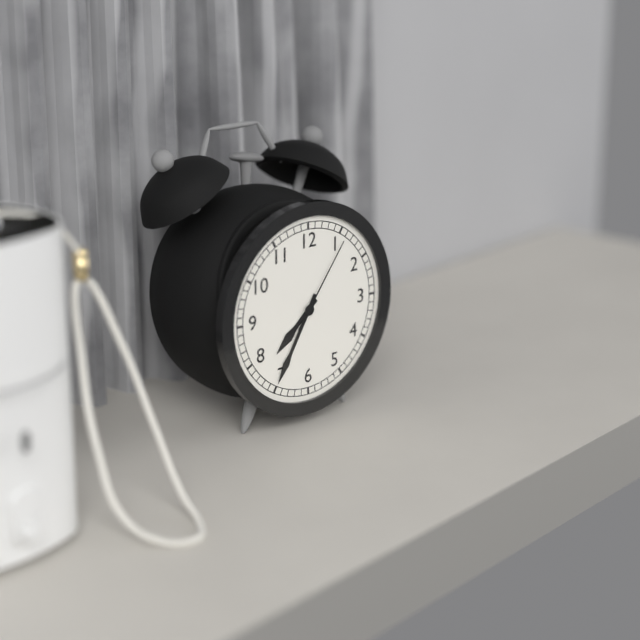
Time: 7h35m06s
